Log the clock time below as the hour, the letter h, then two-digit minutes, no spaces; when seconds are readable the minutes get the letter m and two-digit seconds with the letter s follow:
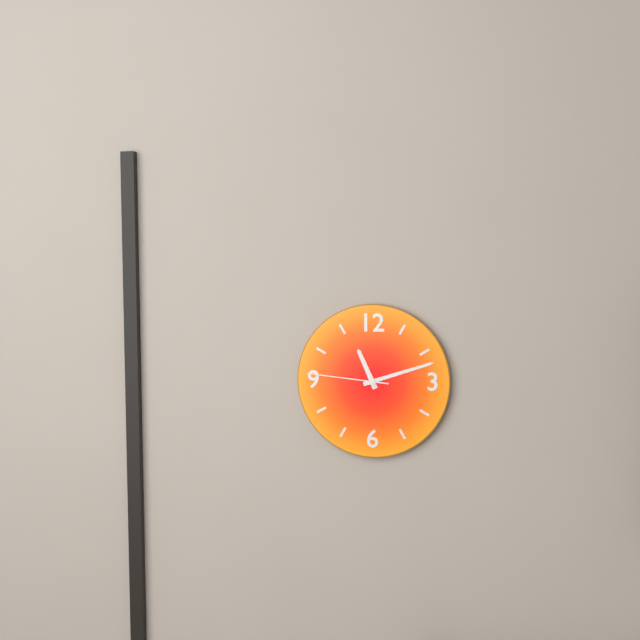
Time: 11h12m46s
